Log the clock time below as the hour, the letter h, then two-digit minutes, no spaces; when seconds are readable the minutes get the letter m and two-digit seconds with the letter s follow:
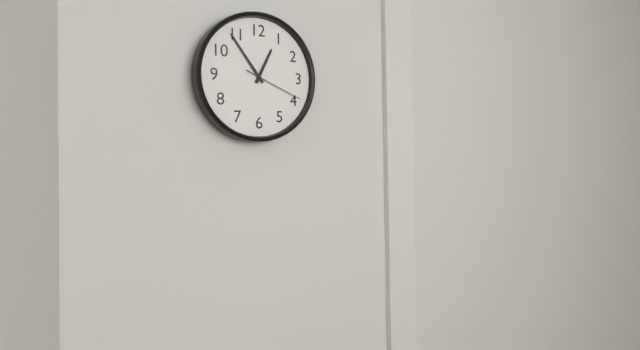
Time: 12h54m19s
